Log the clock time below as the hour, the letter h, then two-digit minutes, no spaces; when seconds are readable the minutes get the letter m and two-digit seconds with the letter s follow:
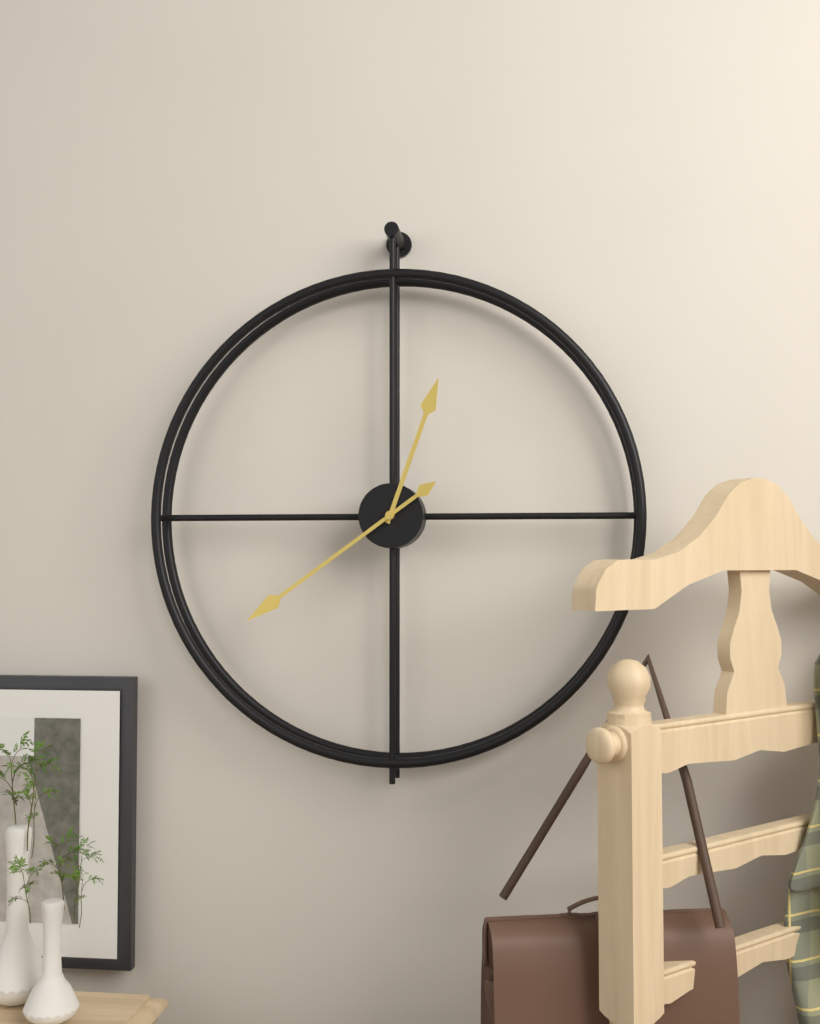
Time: 12h39
